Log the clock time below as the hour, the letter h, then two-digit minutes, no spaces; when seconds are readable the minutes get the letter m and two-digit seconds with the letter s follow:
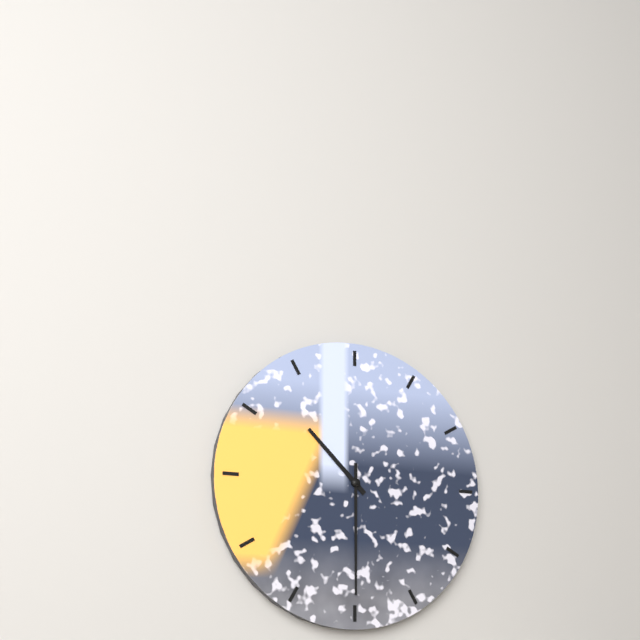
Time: 10h30
